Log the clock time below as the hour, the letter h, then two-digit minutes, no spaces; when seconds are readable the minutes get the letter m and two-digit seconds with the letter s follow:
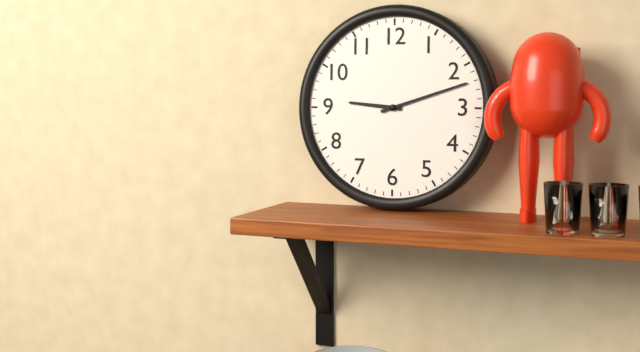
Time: 9h12
